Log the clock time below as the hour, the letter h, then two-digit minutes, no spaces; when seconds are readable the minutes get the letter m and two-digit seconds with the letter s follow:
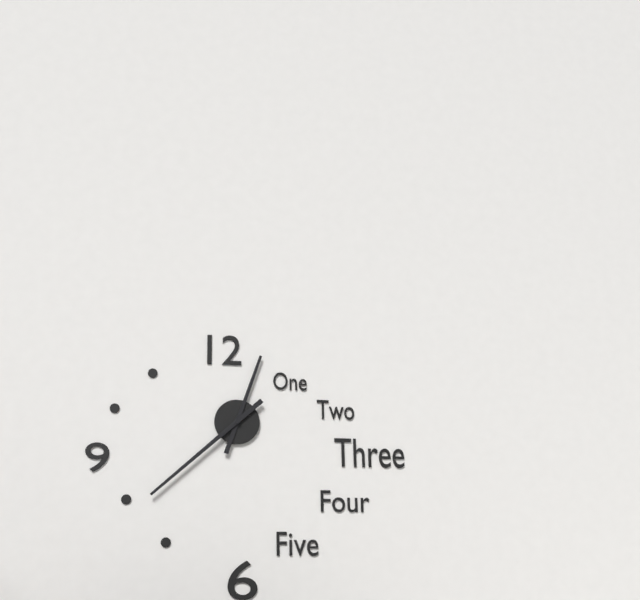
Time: 12h38
